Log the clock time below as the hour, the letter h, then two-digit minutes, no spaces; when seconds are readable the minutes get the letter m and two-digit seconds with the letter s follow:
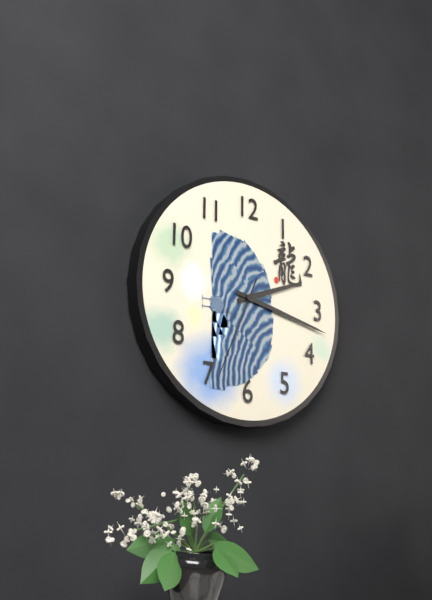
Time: 2h17m34s
